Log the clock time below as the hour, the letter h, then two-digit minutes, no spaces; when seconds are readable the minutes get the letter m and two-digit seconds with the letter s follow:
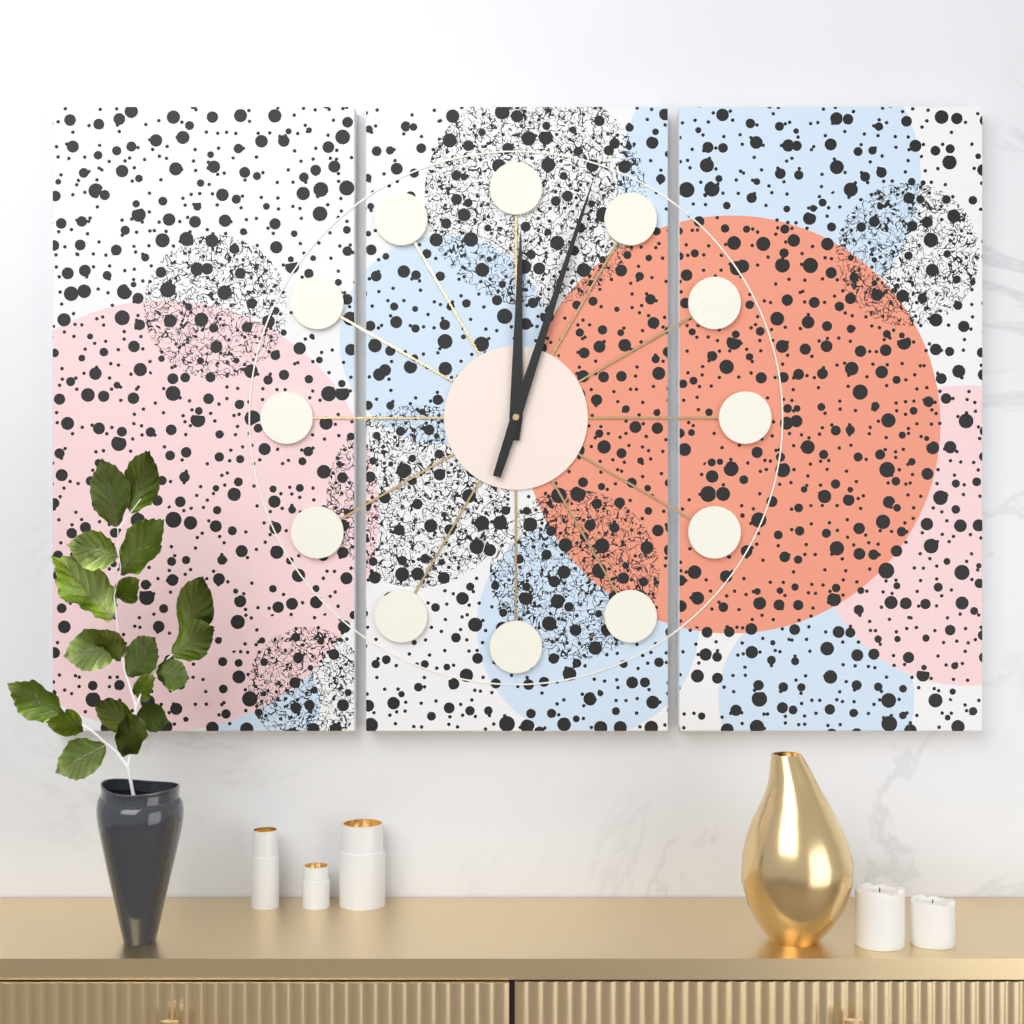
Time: 12h03
